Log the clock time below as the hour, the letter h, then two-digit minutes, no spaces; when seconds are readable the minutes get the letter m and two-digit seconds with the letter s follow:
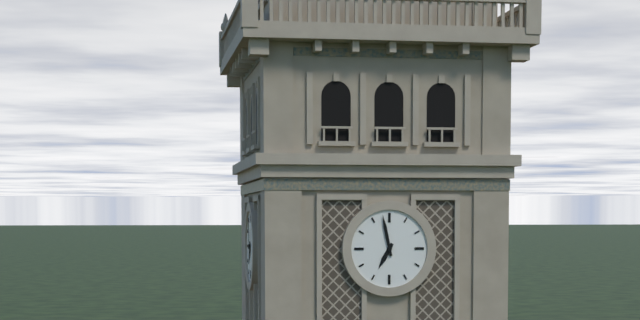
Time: 6h58
